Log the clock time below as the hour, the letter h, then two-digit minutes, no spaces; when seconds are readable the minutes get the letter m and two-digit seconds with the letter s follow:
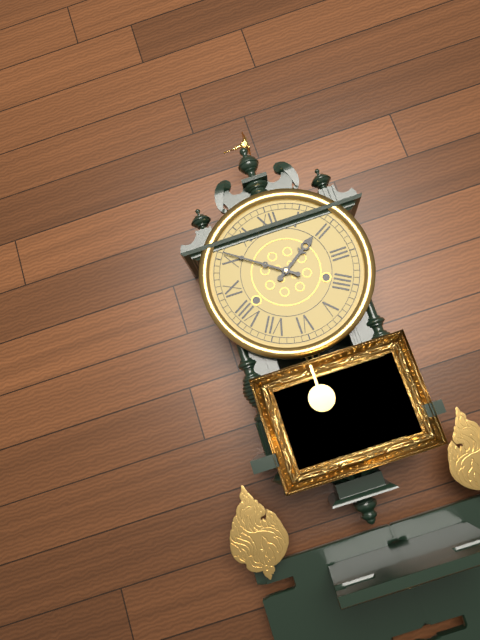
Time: 1h51
